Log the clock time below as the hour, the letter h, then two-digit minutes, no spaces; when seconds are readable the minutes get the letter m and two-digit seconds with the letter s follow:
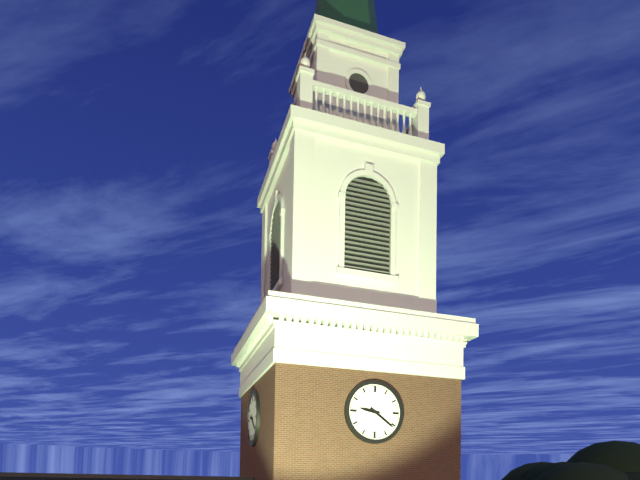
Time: 9h21
